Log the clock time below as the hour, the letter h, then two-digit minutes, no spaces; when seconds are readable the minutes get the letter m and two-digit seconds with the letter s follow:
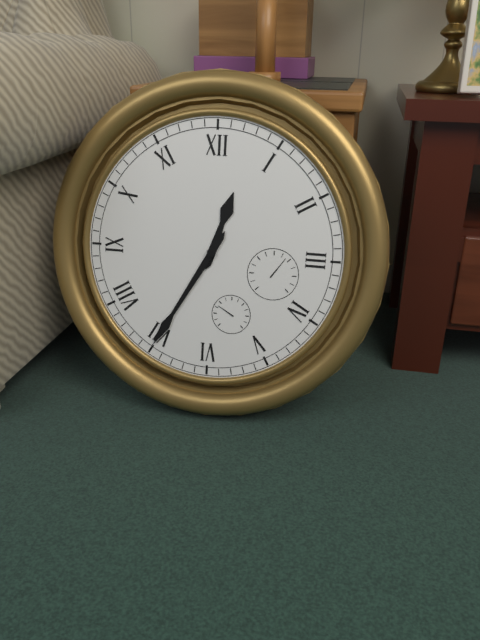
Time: 12h35
